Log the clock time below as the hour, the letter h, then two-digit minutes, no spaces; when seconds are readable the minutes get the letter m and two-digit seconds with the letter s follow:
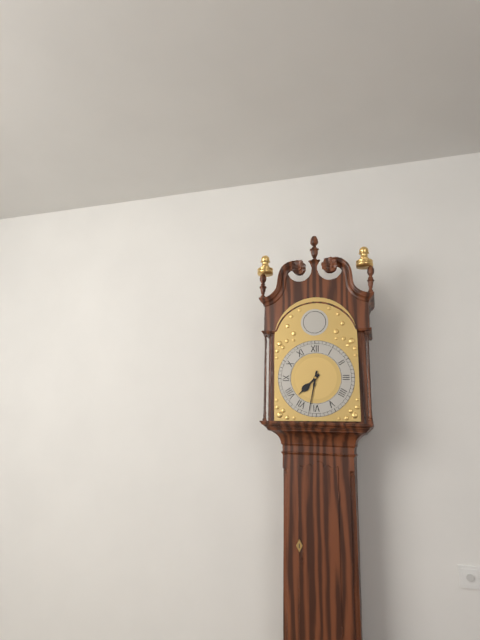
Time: 7h32
